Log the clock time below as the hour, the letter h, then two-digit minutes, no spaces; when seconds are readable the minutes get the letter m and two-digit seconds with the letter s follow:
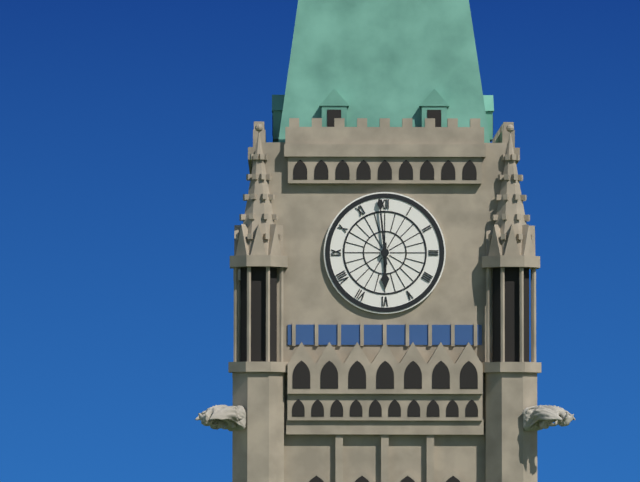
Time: 5h59
